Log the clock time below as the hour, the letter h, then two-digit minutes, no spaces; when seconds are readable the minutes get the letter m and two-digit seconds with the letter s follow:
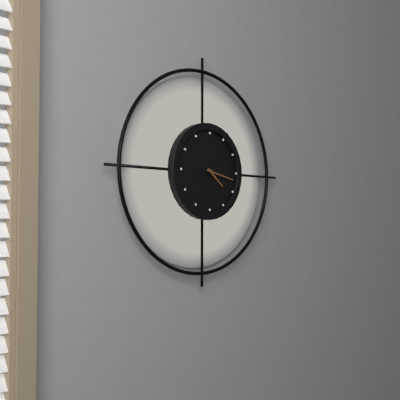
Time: 4h17
